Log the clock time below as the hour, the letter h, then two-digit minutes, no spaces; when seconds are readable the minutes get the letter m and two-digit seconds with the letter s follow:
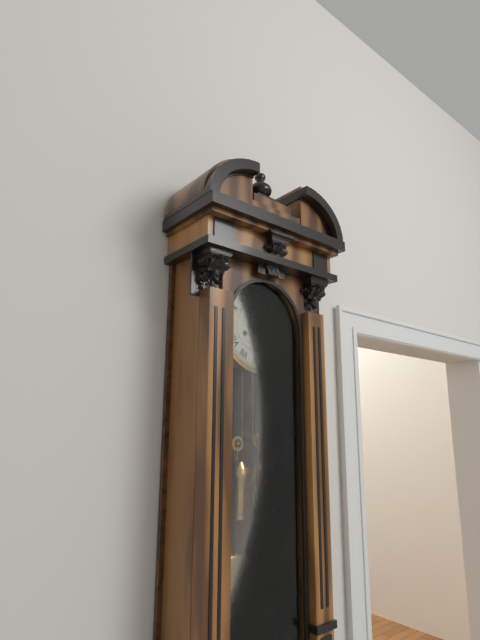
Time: 1h05
